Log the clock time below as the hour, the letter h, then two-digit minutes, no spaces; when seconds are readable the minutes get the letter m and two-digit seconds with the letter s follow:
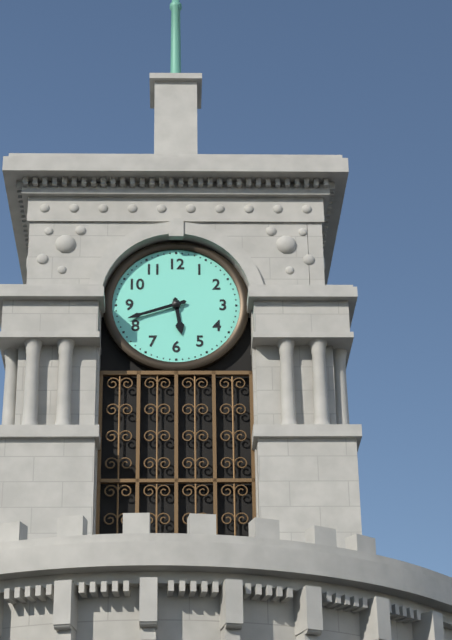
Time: 5h42
